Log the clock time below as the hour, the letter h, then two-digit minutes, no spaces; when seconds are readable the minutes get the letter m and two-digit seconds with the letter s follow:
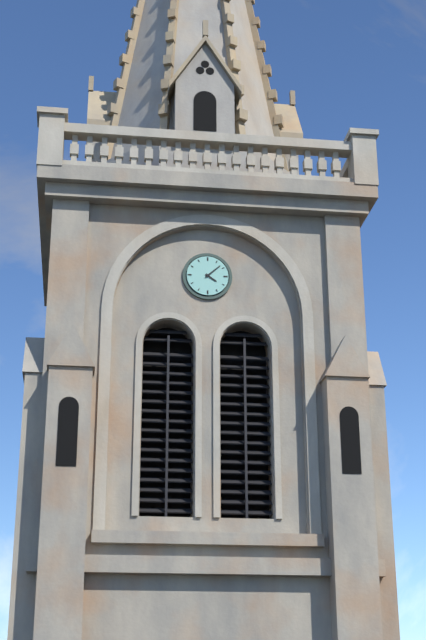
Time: 4h08
